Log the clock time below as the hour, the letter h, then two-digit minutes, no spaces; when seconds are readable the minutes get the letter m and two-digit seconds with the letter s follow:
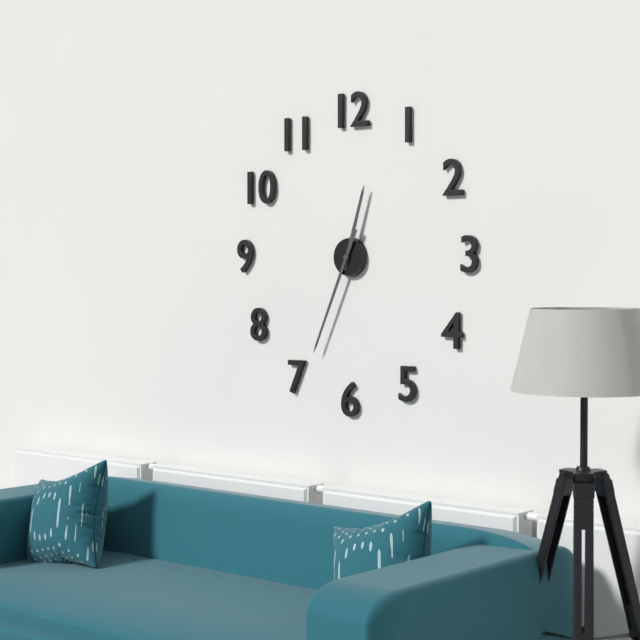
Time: 12h34
